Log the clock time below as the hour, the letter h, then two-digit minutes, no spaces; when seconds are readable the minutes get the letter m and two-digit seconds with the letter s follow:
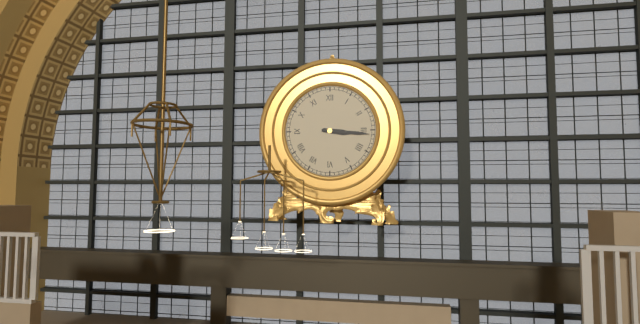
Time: 3h16
